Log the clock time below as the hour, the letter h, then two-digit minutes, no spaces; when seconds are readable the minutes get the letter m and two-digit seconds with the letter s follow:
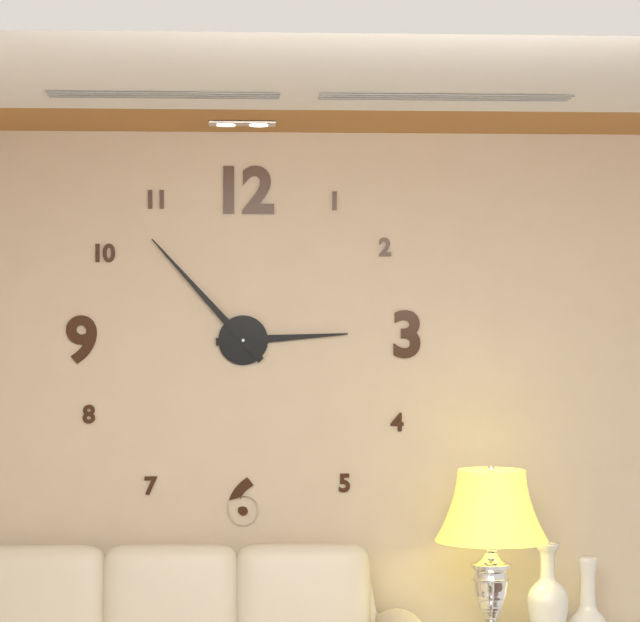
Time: 2h53
